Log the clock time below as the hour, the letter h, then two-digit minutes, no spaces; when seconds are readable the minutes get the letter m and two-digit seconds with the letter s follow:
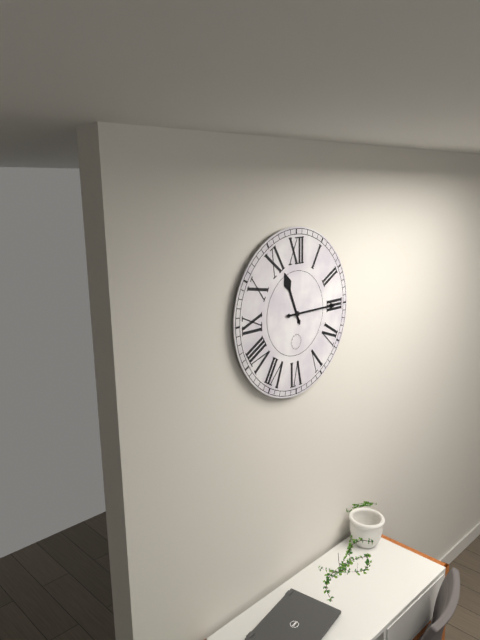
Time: 11h15
